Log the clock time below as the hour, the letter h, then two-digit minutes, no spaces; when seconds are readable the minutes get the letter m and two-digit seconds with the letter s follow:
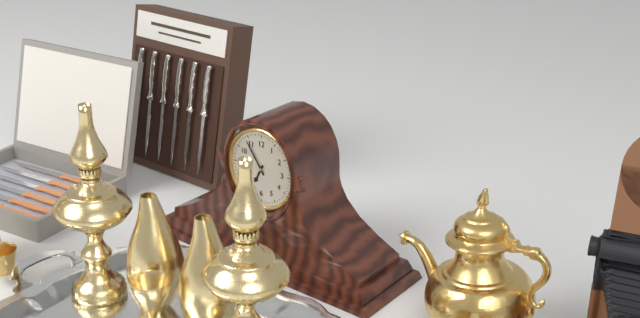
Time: 6h54
